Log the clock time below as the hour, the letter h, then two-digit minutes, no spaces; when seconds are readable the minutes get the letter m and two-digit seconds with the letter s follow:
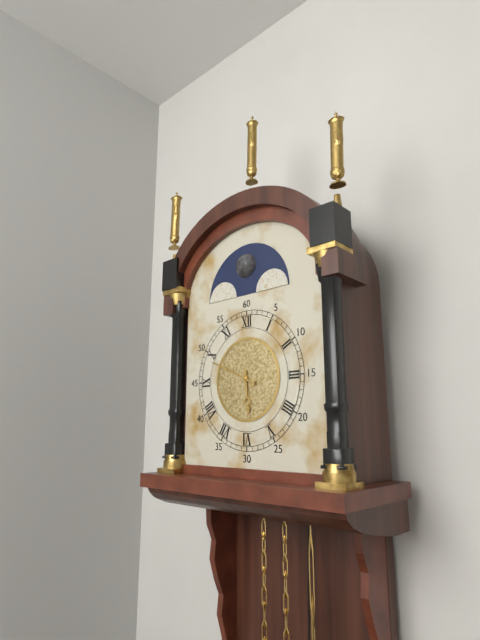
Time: 5h49
